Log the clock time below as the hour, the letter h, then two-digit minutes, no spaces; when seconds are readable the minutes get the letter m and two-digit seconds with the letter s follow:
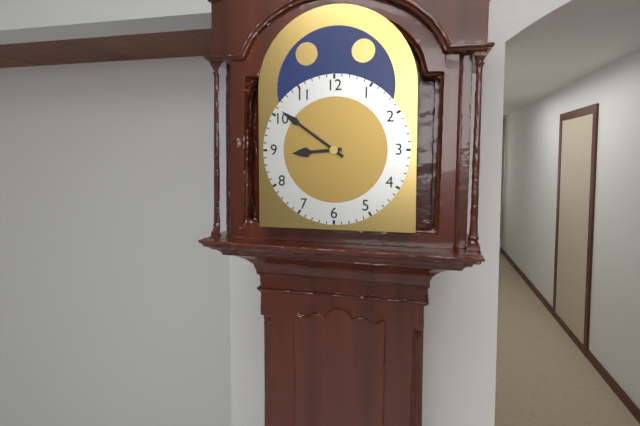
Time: 8h51
